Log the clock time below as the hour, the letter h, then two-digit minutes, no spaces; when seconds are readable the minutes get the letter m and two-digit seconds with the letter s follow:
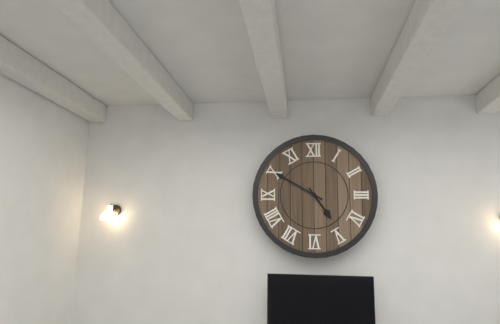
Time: 4h50
